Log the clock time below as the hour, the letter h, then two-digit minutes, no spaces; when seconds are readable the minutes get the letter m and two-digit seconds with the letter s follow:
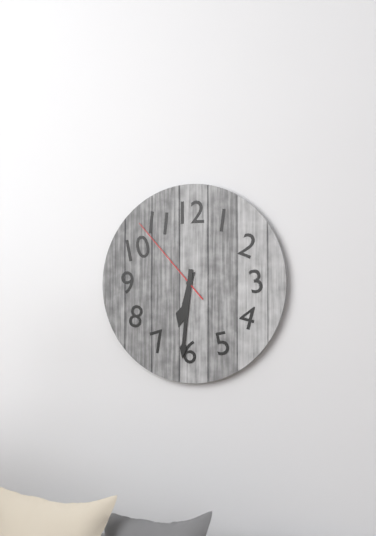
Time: 6h31m53s
